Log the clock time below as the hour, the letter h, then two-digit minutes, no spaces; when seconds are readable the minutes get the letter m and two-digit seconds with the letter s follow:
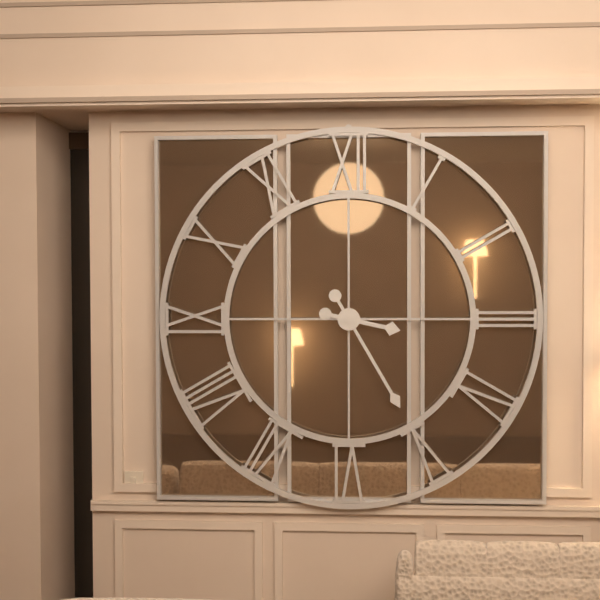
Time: 3h25
